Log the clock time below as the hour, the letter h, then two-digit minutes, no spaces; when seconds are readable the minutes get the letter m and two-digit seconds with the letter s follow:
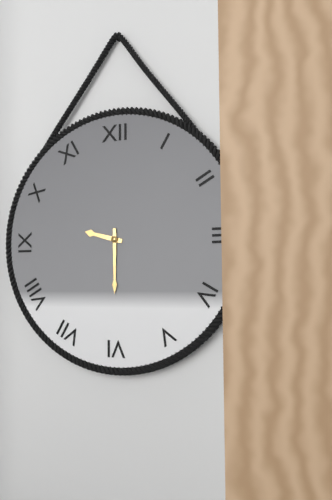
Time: 9h30
